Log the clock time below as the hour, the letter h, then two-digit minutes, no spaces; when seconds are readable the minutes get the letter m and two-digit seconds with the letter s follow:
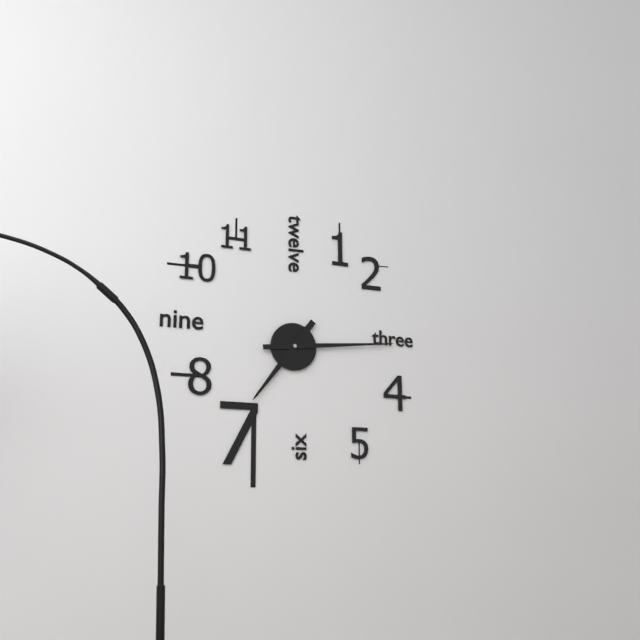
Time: 7h14
